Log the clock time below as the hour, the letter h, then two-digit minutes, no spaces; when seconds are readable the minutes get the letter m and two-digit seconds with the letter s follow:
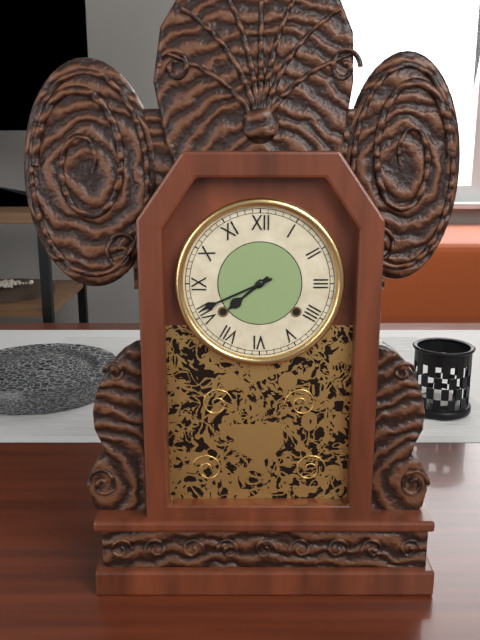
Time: 7h41
